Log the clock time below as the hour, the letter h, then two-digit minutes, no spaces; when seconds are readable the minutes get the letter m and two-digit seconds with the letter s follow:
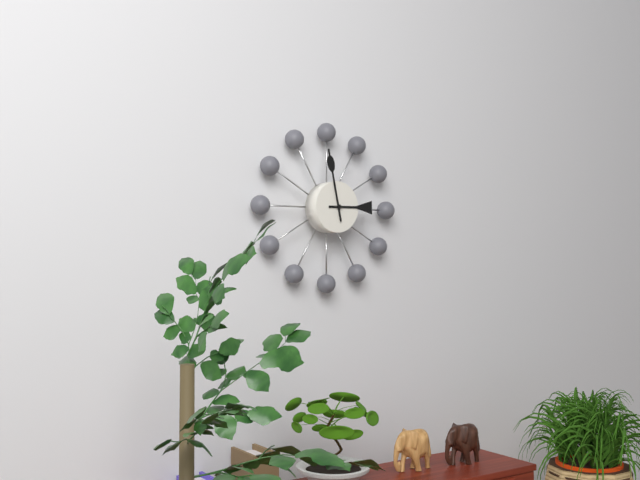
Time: 2h58
